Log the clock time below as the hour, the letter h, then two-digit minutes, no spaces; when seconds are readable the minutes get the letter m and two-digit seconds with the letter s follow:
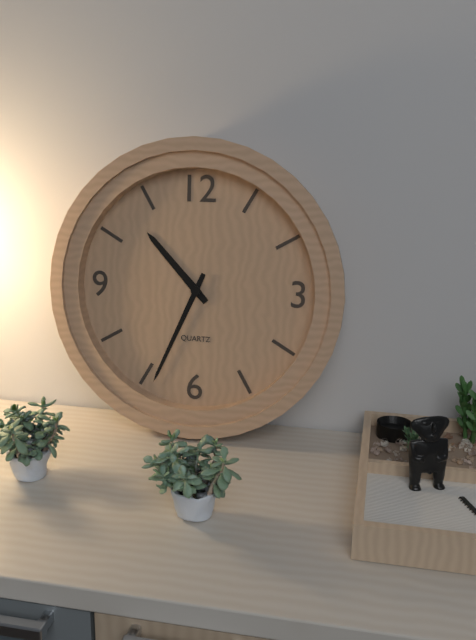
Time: 10h34
